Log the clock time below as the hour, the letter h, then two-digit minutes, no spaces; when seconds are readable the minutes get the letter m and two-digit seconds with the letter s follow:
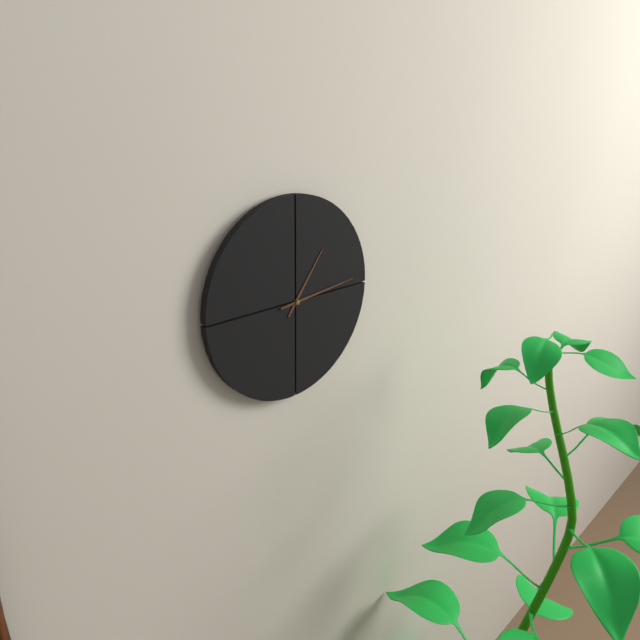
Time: 1h14
